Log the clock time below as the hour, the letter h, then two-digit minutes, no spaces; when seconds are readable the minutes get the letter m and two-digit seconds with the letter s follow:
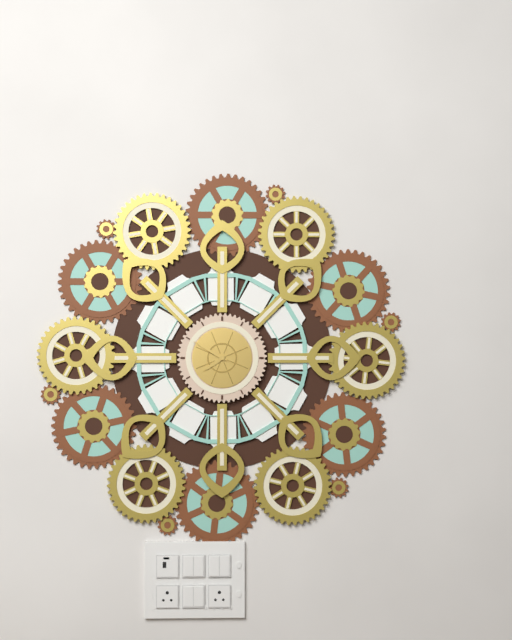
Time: 7h50
